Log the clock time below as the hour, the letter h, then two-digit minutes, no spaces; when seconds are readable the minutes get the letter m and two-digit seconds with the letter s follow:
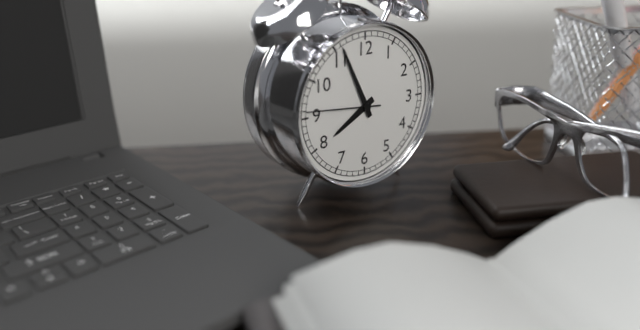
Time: 7h56m46s
